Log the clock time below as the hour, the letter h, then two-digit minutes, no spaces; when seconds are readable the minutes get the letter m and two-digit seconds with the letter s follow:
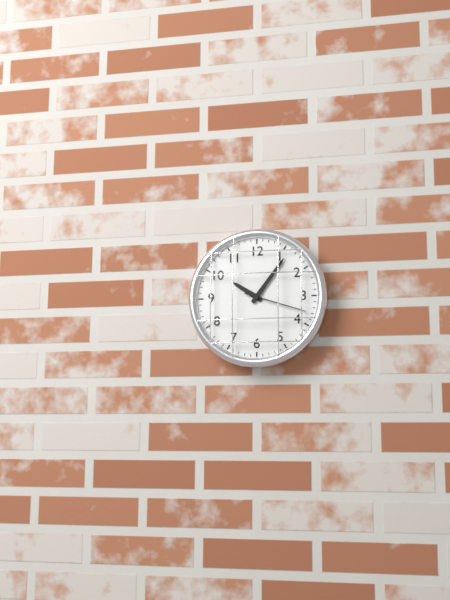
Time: 10h06m18s
